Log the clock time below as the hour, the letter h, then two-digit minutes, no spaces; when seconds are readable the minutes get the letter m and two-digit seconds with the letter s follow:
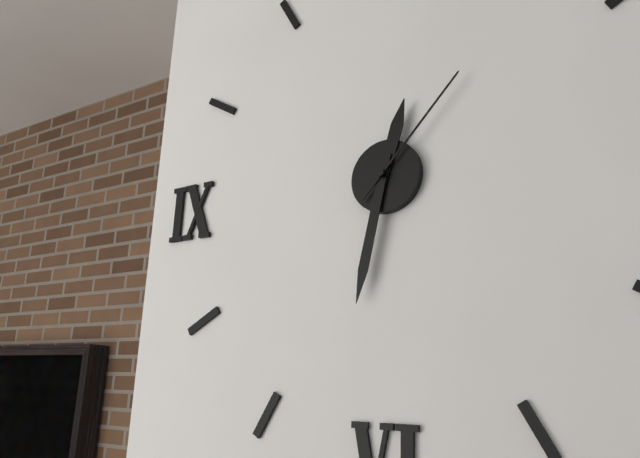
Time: 12h32m07s
